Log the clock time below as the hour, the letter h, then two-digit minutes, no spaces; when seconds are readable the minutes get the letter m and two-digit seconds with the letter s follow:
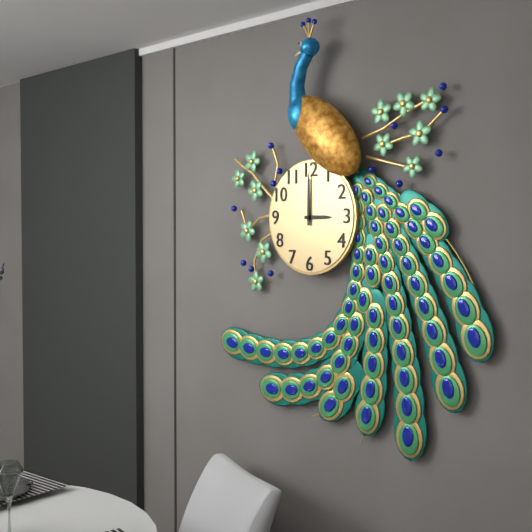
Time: 3h00
